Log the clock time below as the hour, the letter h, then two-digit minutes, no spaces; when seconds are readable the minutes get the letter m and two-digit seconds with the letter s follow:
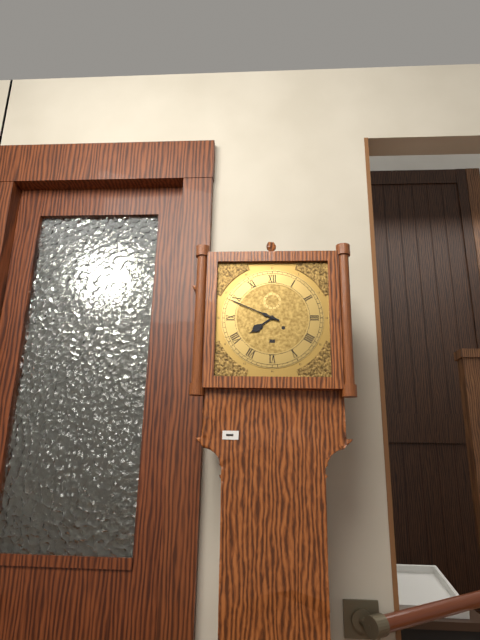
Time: 7h49
